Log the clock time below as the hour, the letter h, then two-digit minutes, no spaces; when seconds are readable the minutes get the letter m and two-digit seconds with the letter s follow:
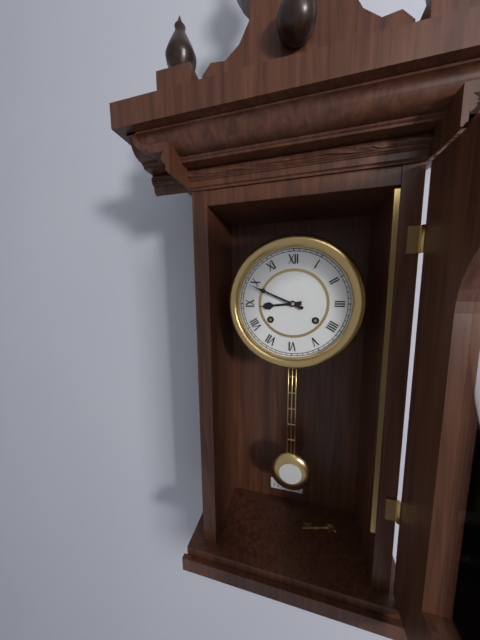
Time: 8h49
